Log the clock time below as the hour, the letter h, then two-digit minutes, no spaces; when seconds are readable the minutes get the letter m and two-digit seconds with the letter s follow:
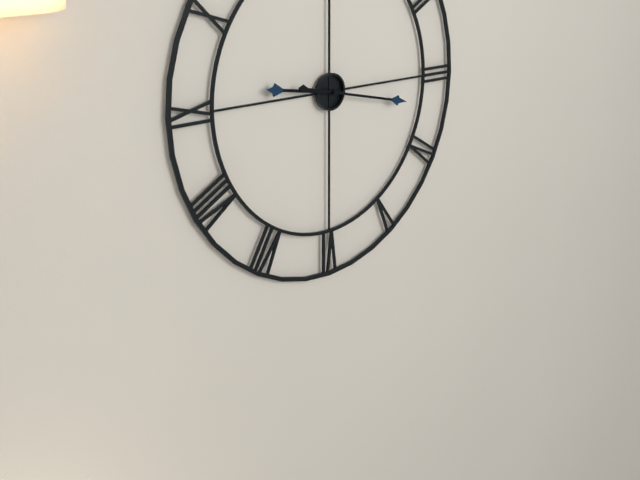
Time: 9h17
